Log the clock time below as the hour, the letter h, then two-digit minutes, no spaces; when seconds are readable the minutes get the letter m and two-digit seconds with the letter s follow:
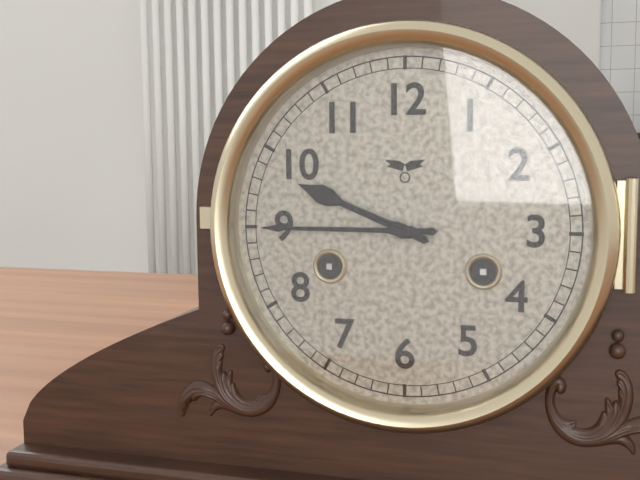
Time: 9h45
